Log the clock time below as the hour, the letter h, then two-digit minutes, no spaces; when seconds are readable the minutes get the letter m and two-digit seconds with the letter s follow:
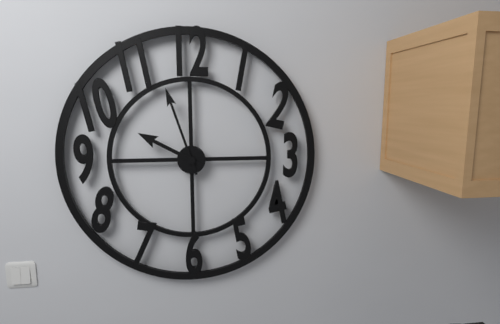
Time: 9h57
